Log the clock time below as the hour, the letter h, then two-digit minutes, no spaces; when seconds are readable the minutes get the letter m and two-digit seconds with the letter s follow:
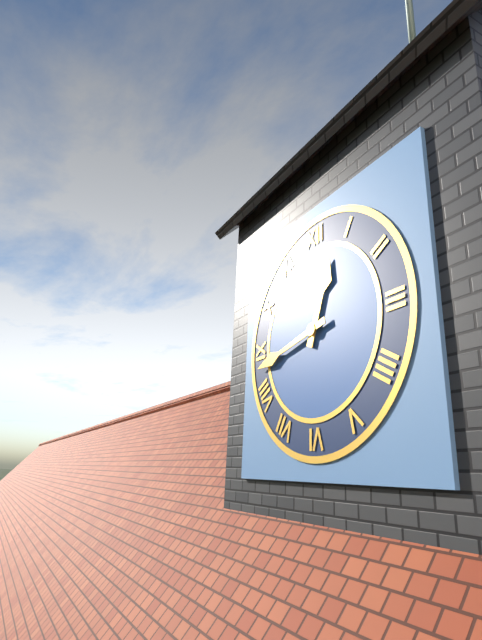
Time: 12h43
